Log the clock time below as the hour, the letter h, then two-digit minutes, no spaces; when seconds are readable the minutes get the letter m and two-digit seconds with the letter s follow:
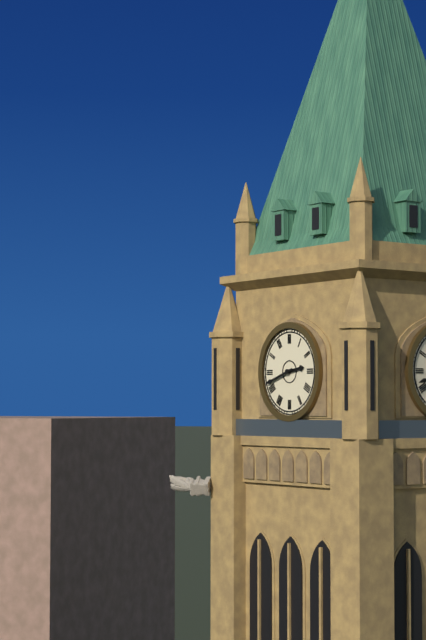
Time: 2h42
